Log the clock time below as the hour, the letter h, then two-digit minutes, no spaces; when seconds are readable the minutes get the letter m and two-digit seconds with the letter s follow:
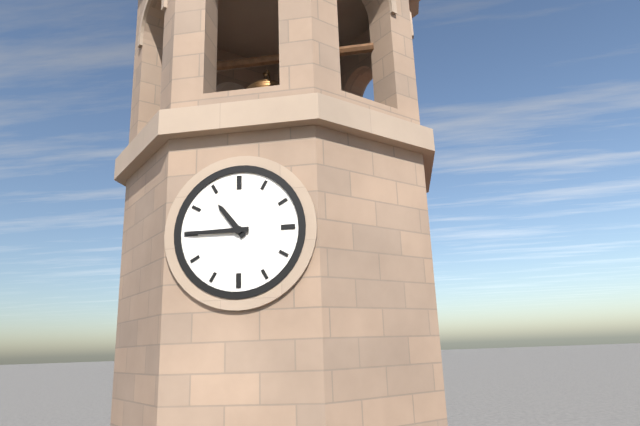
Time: 10h45
